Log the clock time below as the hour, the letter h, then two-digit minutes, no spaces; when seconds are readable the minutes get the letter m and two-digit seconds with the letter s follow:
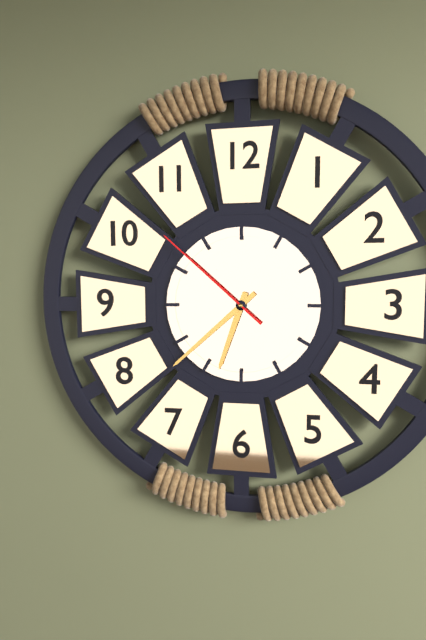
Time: 6h38m52s
